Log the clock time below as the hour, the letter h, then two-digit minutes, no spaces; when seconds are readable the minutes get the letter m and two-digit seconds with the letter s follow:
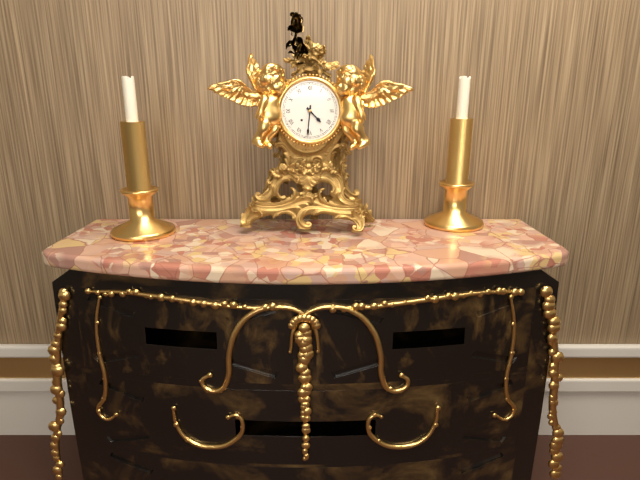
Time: 4h31
